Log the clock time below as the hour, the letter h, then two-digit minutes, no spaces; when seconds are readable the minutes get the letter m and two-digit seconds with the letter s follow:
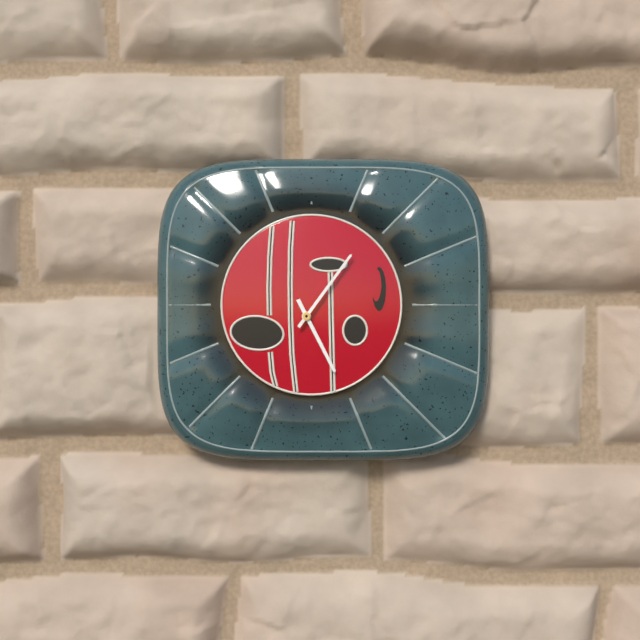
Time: 5h06
